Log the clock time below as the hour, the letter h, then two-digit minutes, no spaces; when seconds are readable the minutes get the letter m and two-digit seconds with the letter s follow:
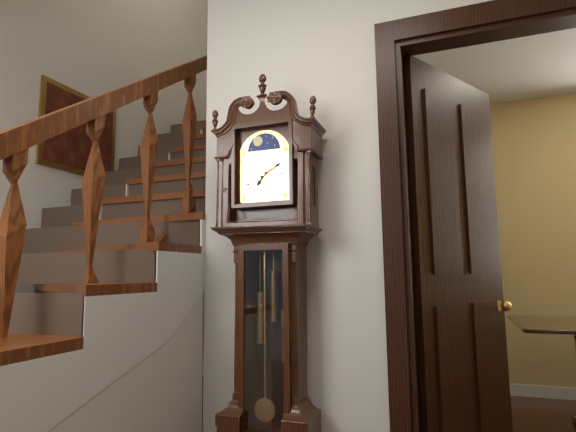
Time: 7h10
